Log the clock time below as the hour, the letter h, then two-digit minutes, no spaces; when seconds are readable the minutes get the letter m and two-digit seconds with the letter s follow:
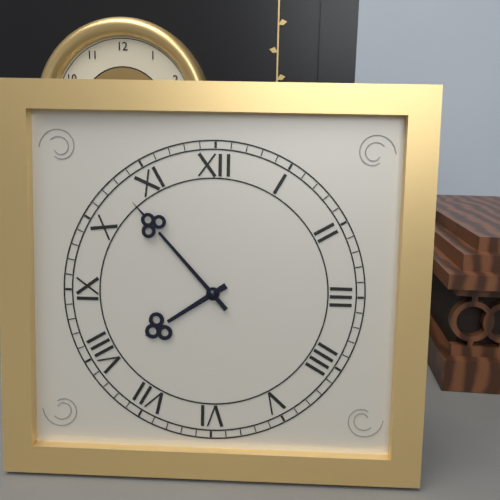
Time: 7h53
